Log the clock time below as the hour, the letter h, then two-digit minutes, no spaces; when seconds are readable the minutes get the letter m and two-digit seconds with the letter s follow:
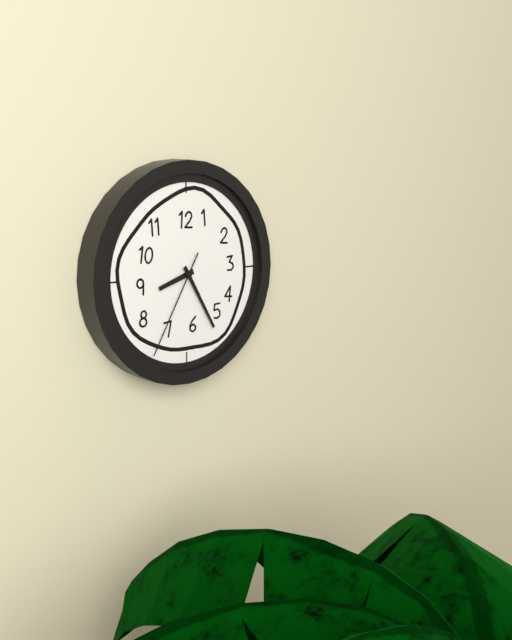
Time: 8h25m35s
